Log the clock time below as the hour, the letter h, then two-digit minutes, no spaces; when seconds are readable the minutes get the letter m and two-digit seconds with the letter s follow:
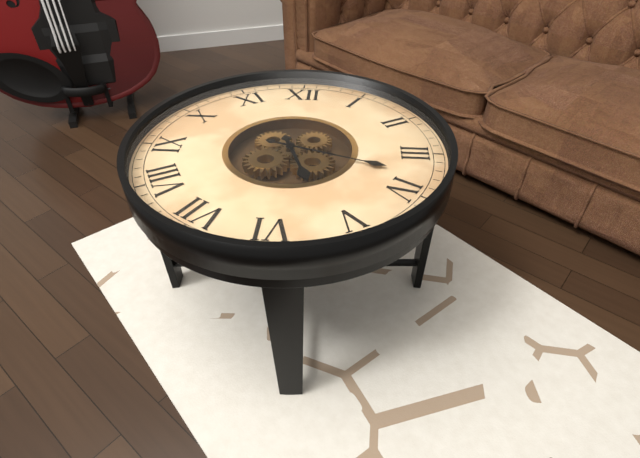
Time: 5h18
